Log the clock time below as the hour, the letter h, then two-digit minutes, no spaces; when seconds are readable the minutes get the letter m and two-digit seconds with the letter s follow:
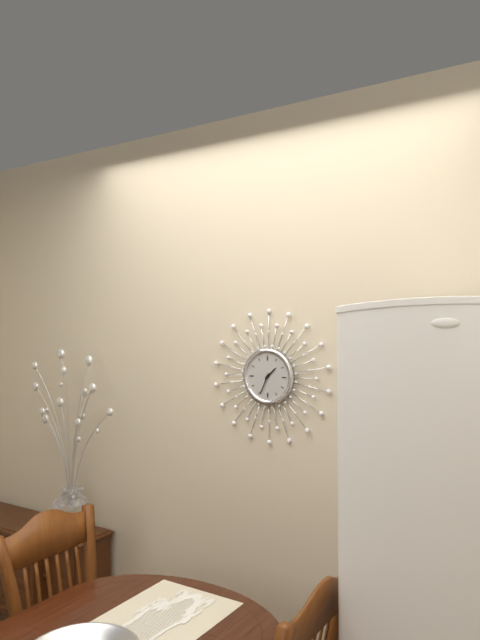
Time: 1h34
